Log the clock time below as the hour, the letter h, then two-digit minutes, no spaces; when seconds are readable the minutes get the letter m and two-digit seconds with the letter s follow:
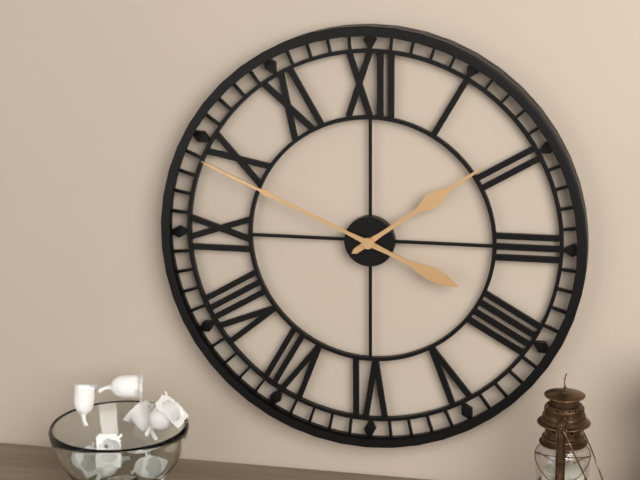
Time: 1h49
